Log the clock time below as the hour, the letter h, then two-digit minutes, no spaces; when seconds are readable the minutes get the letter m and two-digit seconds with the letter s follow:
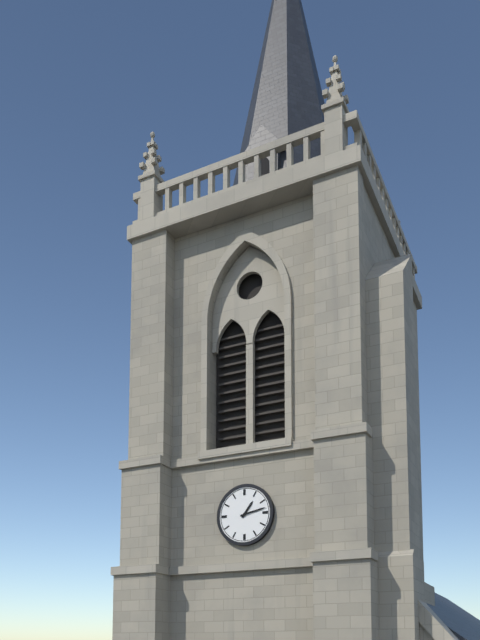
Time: 1h13
